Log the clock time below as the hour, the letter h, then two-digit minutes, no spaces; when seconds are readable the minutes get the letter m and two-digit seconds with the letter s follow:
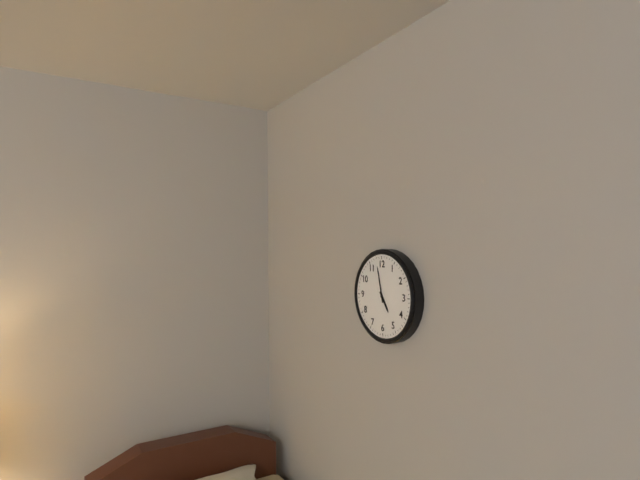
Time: 4h58
